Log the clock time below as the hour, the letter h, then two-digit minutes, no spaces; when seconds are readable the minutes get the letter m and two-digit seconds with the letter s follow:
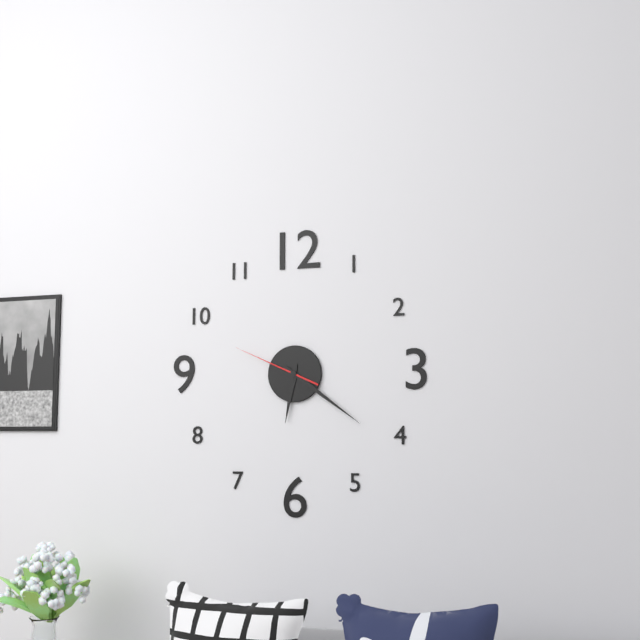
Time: 6h21m49s
